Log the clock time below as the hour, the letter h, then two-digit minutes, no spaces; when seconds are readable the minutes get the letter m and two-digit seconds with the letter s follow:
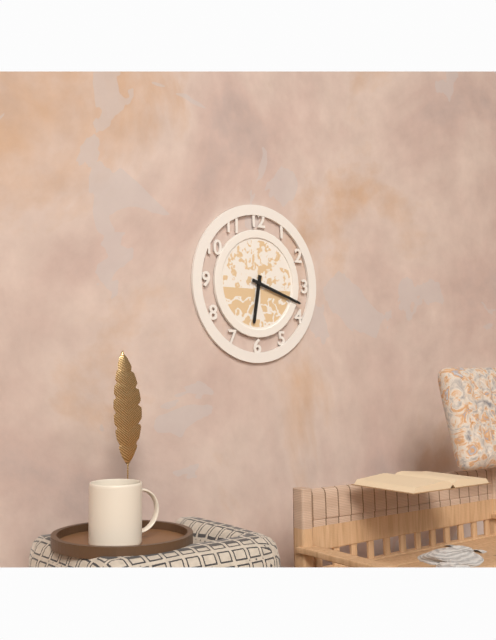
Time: 6h18
